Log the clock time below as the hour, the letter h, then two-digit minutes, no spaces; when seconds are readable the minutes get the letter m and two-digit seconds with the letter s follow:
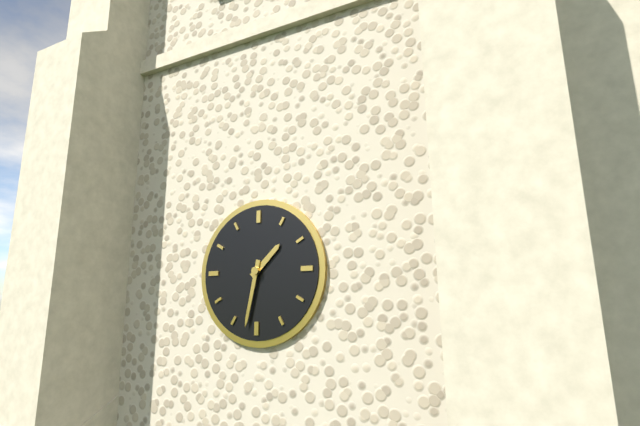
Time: 1h32
